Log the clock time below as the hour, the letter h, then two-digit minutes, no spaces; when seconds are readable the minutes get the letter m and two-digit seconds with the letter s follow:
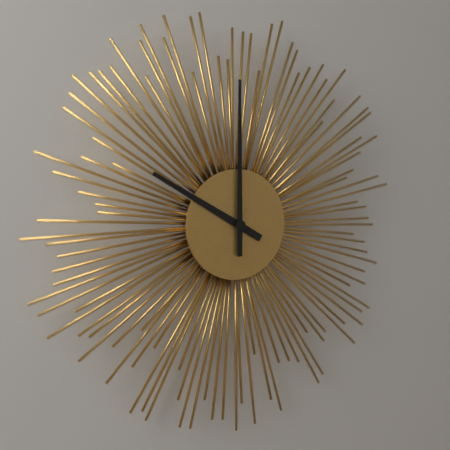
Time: 10h00
